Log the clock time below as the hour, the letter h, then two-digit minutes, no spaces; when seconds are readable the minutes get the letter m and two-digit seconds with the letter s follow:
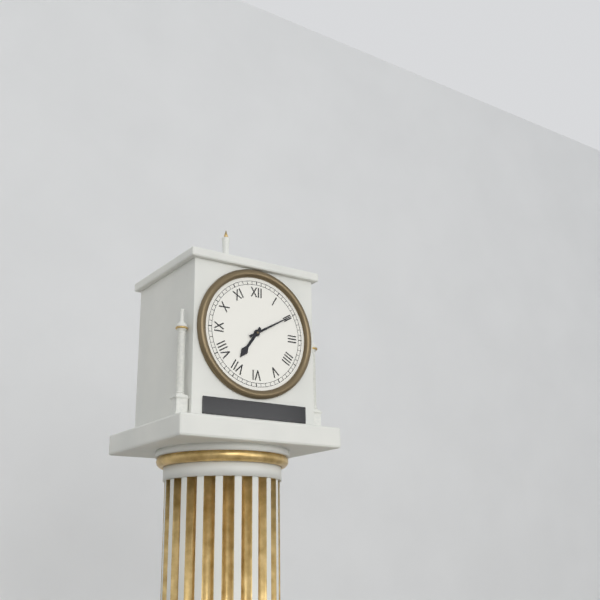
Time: 7h10
